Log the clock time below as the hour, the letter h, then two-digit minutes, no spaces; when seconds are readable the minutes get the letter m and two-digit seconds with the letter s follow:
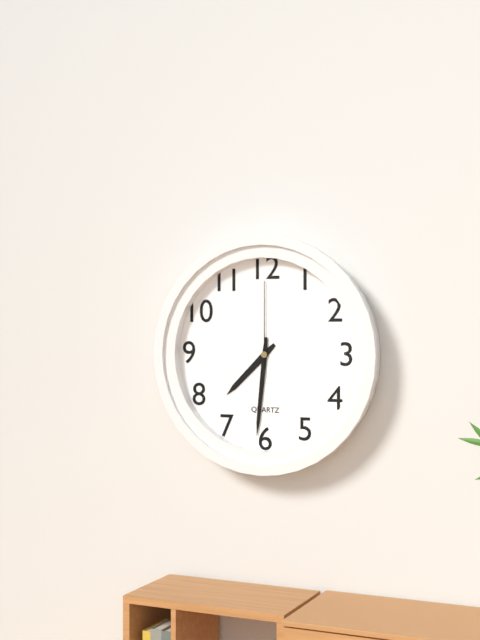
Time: 7h31m00s
